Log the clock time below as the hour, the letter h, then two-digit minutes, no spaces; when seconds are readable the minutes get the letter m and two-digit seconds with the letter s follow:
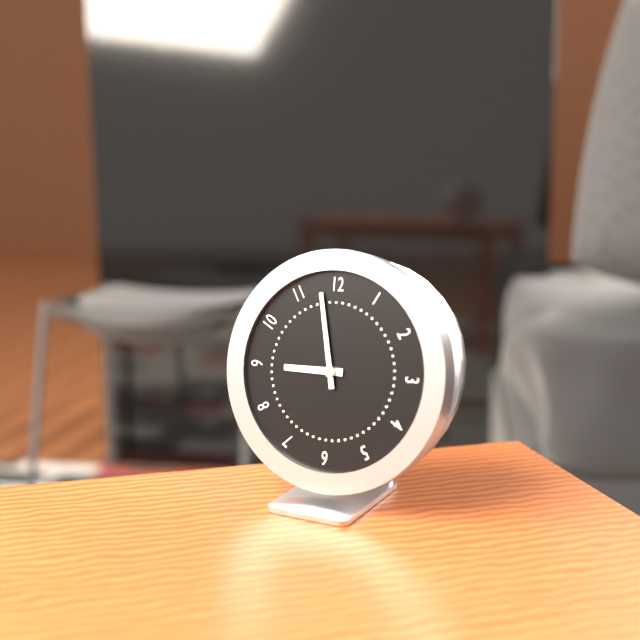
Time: 8h58
